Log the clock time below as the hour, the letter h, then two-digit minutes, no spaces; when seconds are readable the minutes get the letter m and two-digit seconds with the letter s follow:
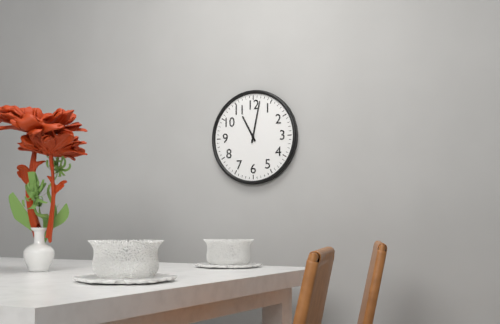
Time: 11h02
